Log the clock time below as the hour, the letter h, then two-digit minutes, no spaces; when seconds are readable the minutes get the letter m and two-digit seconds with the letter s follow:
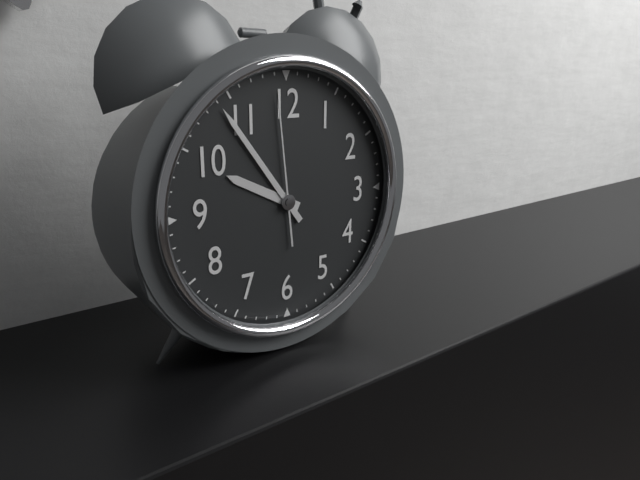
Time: 9h54m59s
